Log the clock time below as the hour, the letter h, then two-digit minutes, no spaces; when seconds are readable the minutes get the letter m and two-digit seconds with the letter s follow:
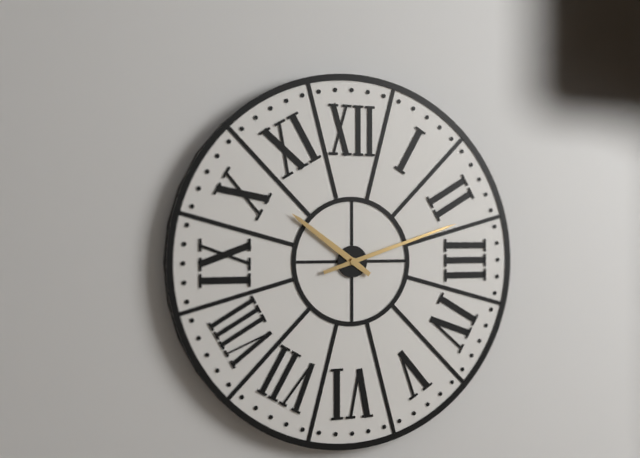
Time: 10h12
